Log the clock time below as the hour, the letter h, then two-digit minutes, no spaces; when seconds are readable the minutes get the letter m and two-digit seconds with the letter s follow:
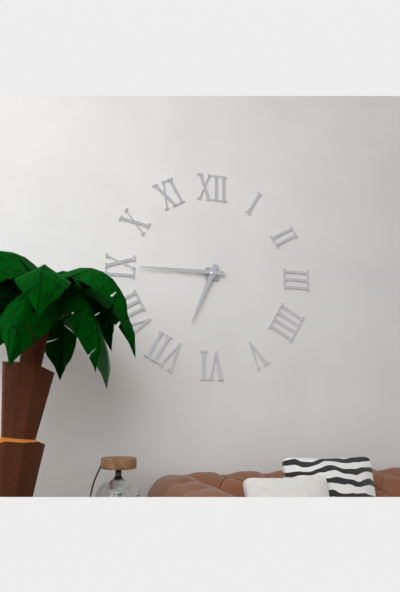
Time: 6h45
